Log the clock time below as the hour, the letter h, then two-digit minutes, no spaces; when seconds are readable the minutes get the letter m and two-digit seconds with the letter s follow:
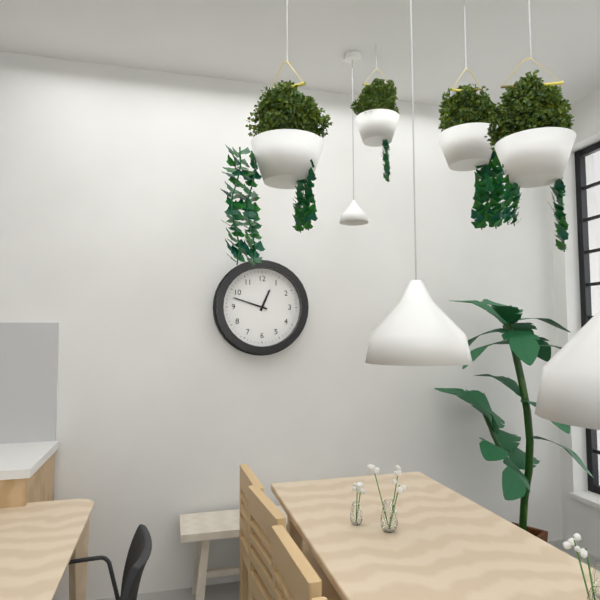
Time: 12h48
